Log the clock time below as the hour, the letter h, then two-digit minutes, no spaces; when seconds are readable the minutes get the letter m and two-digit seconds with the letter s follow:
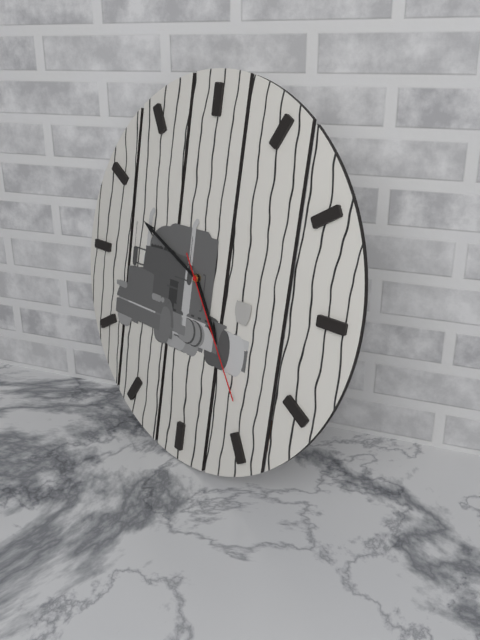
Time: 4h49m24s
